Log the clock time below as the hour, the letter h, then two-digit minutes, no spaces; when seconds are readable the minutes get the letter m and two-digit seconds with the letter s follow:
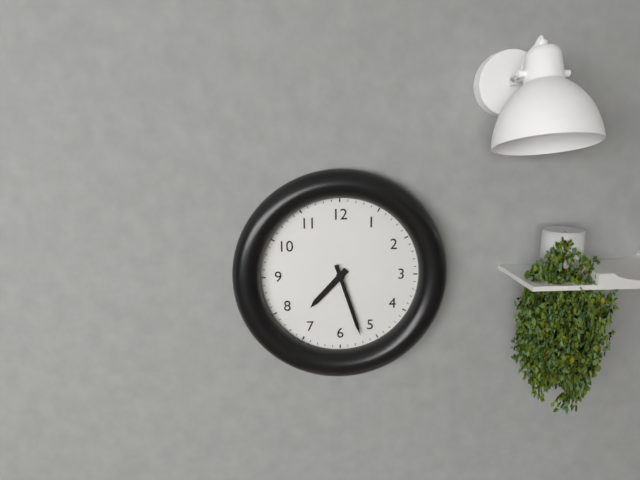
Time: 7h27
